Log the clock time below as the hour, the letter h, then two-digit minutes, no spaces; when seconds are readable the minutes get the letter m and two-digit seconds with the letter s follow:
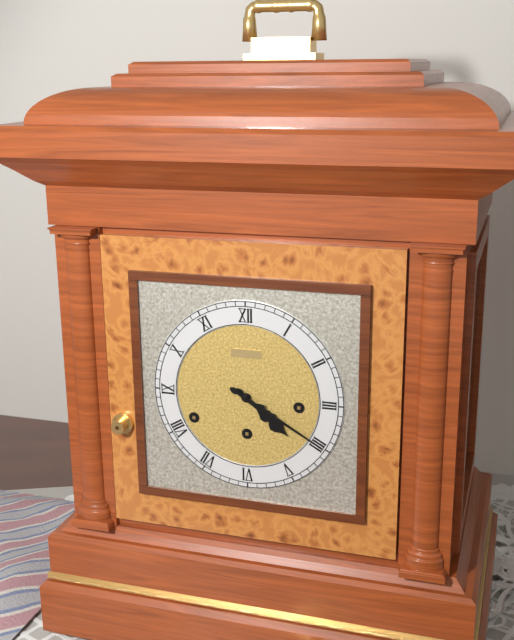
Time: 4h20
